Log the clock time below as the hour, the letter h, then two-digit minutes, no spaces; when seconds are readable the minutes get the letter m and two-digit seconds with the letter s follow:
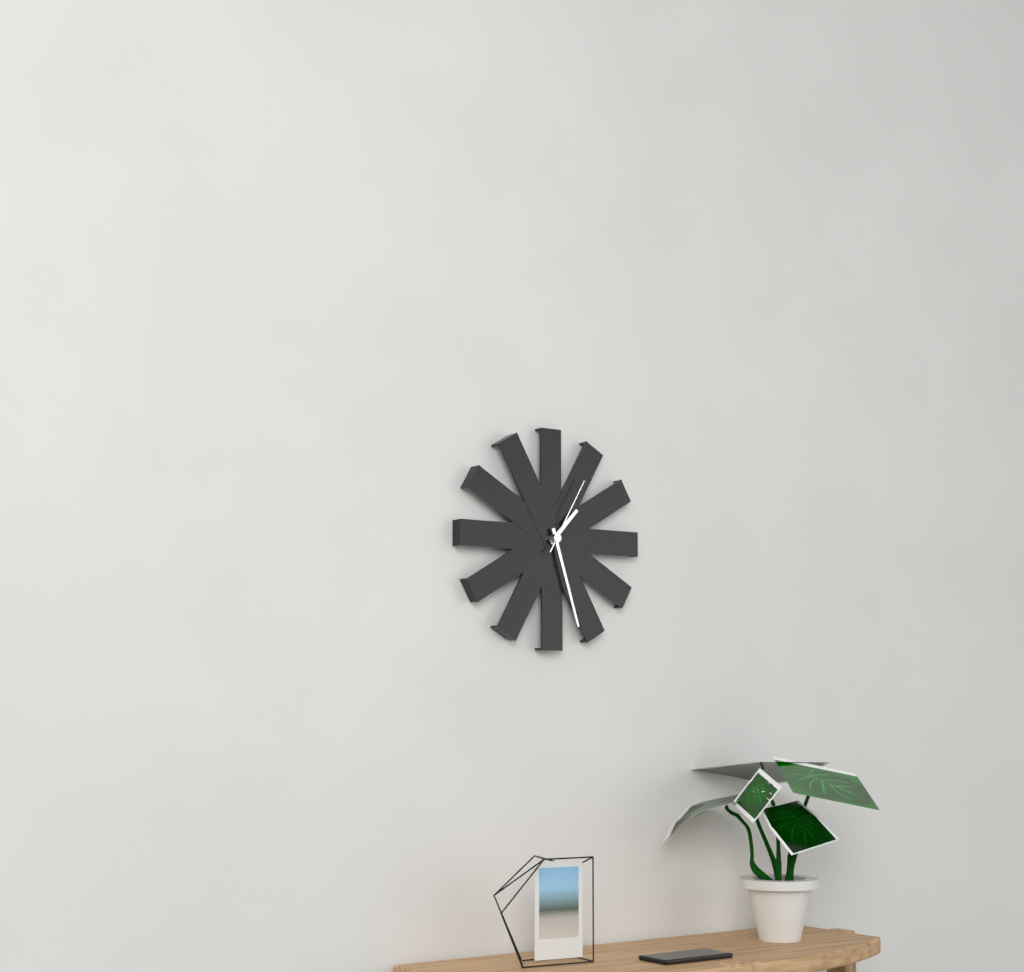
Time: 1h27m05s
